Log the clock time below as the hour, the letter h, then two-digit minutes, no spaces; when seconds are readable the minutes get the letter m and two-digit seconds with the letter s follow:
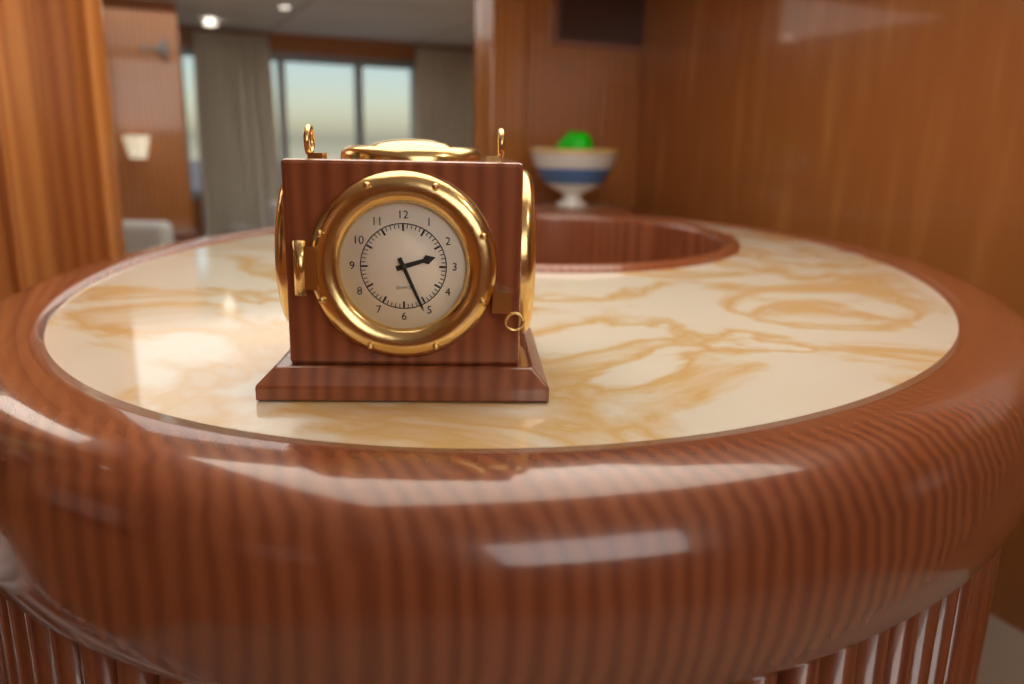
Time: 2h26
